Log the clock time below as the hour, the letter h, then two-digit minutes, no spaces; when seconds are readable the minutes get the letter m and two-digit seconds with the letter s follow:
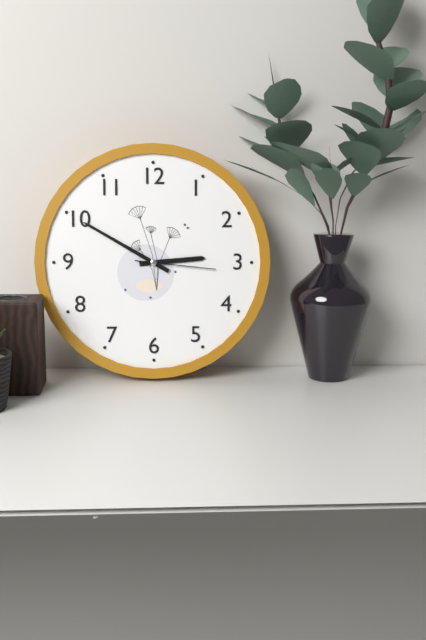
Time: 2h50m16s
